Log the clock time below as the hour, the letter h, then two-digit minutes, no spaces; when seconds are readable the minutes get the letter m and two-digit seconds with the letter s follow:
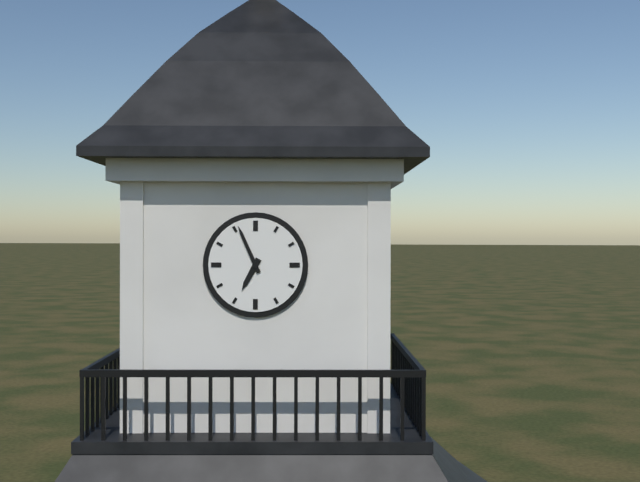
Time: 6h56
